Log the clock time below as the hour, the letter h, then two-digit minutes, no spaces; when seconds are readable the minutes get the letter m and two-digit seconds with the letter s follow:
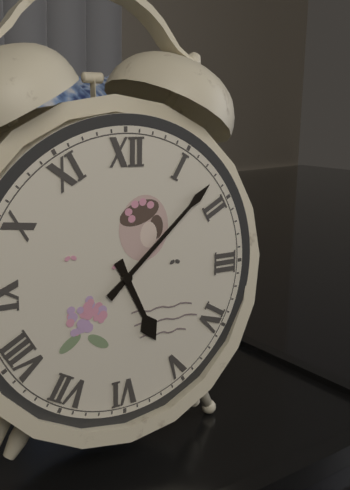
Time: 5h08
